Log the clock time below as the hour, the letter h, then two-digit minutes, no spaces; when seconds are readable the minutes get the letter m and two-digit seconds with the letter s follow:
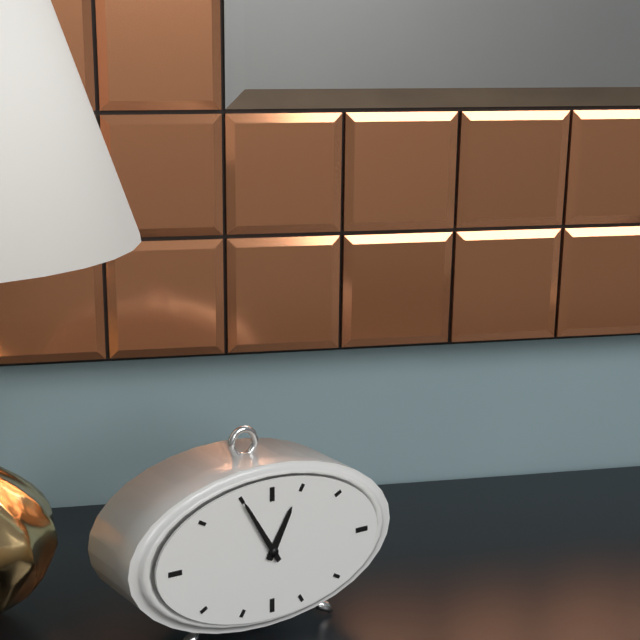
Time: 12h55
